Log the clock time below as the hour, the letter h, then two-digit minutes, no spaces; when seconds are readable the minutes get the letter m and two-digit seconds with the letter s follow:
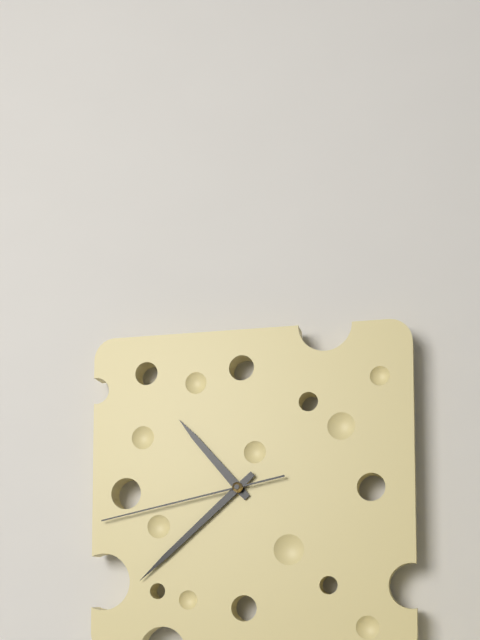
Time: 10h38m43s
